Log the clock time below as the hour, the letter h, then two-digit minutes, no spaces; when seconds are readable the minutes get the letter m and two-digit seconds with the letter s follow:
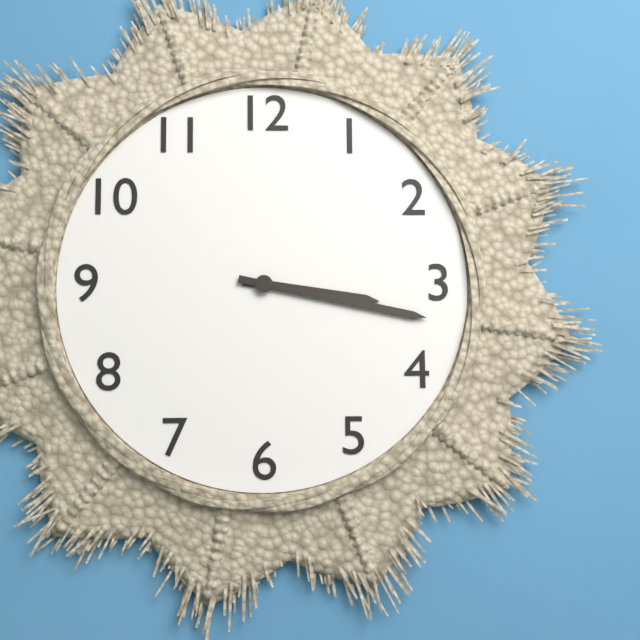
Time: 3h17
